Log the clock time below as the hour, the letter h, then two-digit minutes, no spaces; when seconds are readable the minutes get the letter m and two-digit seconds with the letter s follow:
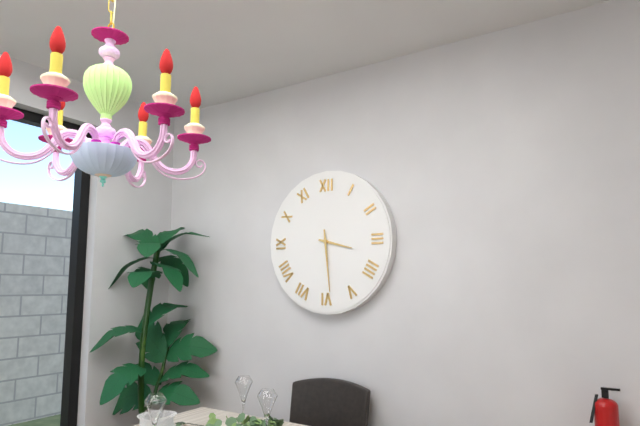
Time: 3h29
